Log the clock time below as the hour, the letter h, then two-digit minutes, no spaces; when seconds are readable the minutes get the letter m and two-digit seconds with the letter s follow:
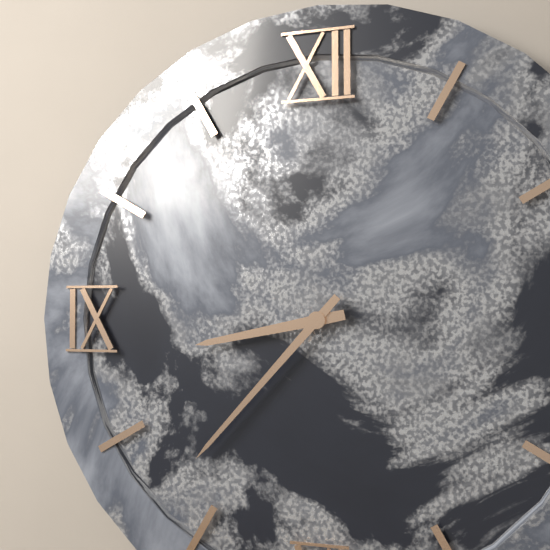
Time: 8h37
